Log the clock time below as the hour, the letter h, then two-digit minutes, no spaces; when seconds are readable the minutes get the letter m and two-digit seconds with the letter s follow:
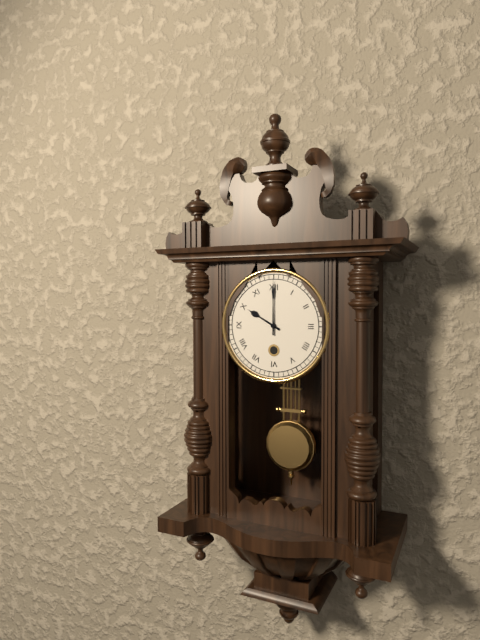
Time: 10h00
